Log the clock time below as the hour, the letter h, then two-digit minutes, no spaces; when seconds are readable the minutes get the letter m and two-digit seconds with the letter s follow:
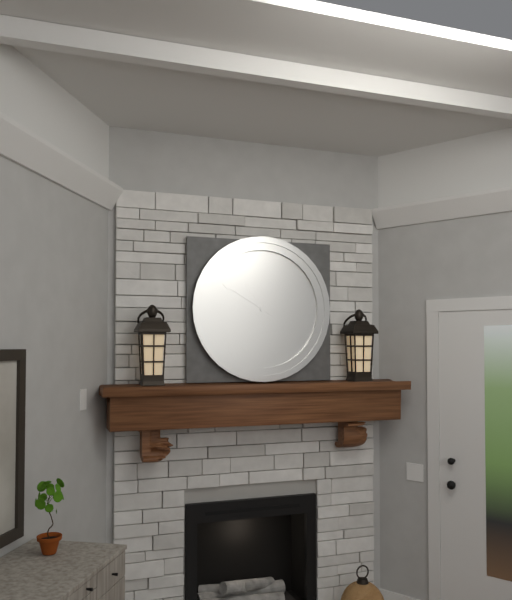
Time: 10h50
